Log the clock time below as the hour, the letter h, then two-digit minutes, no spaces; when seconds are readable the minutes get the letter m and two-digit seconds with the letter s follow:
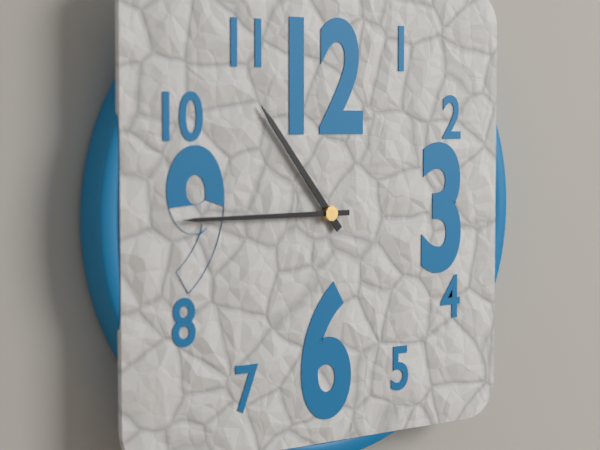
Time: 10h45
